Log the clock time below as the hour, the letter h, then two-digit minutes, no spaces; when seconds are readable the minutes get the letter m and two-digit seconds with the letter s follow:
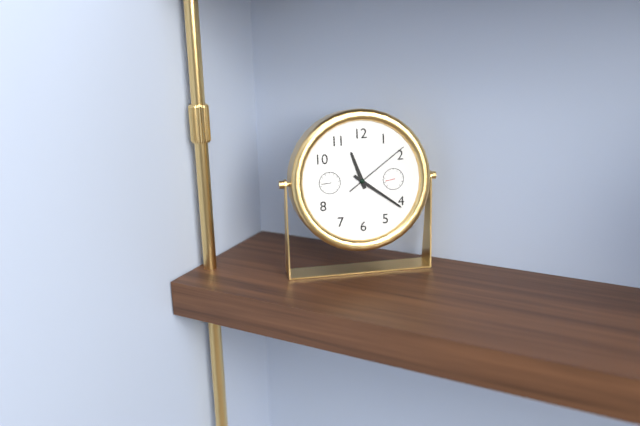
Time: 11h21m09s
